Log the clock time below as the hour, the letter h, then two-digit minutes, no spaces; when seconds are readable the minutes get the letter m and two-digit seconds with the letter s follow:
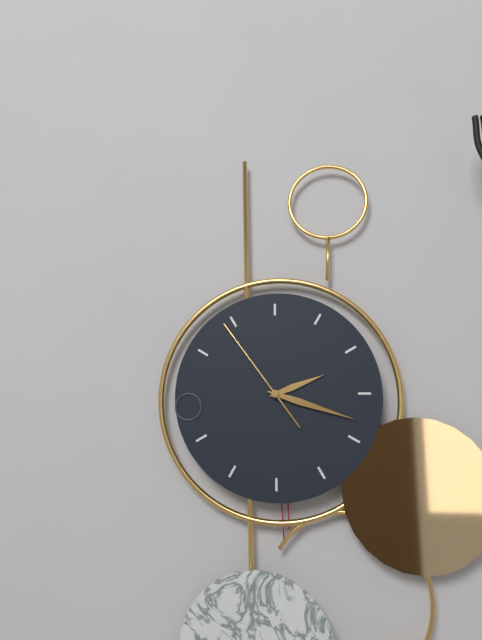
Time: 2h18m54s
